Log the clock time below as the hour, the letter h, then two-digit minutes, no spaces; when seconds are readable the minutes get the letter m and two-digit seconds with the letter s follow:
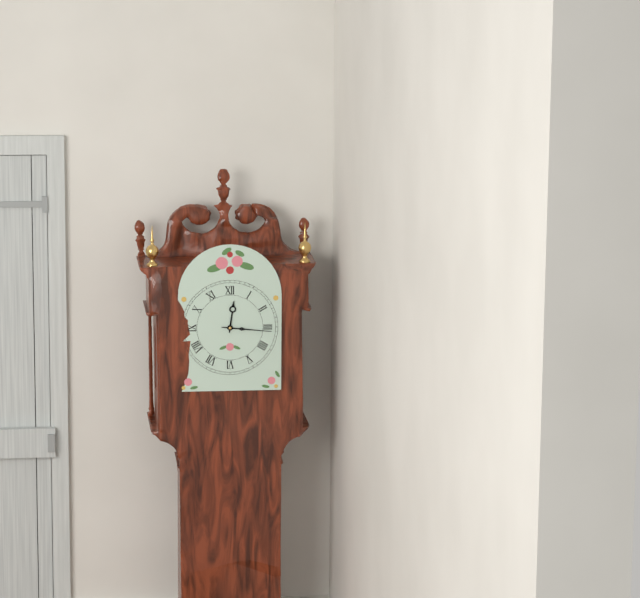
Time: 12h16
